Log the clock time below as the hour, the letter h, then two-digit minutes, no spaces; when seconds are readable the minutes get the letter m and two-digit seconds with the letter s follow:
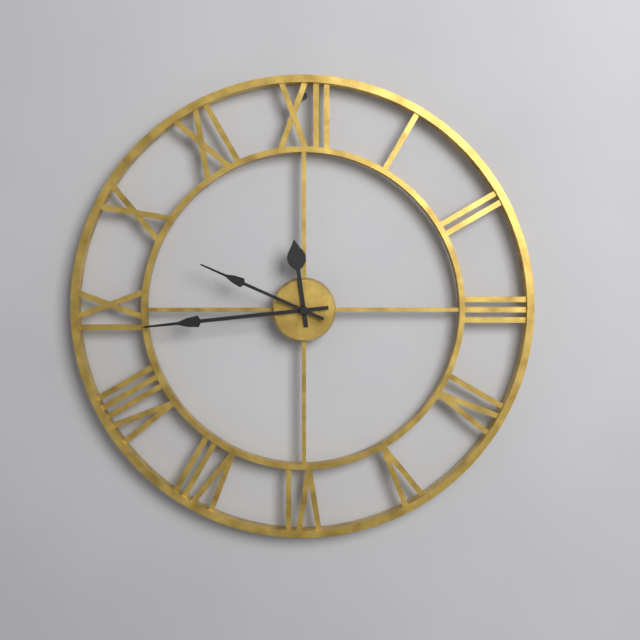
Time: 11h44m49s
